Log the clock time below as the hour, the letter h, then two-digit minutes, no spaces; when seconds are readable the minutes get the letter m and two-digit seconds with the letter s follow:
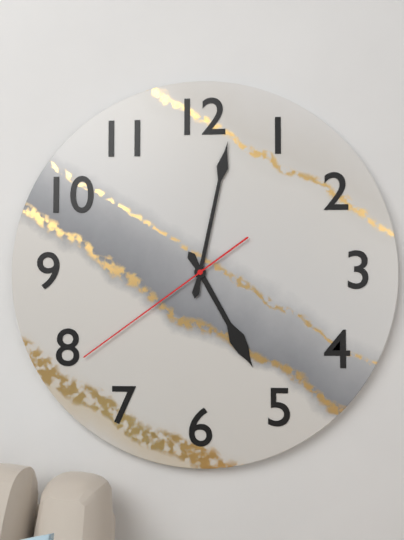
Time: 5h02m39s
